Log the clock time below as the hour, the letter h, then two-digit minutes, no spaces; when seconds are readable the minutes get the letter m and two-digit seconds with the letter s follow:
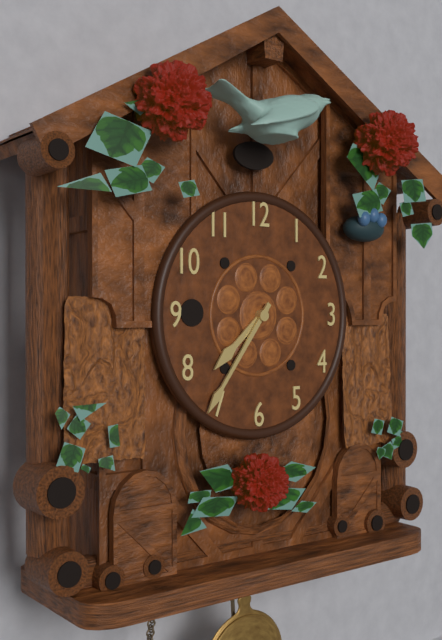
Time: 7h36
